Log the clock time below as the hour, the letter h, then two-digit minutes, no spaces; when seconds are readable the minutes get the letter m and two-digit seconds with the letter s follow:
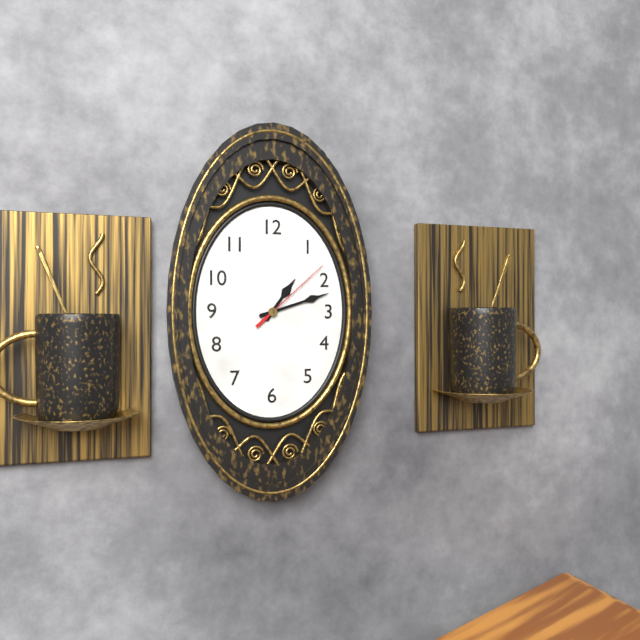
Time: 1h12m08s
